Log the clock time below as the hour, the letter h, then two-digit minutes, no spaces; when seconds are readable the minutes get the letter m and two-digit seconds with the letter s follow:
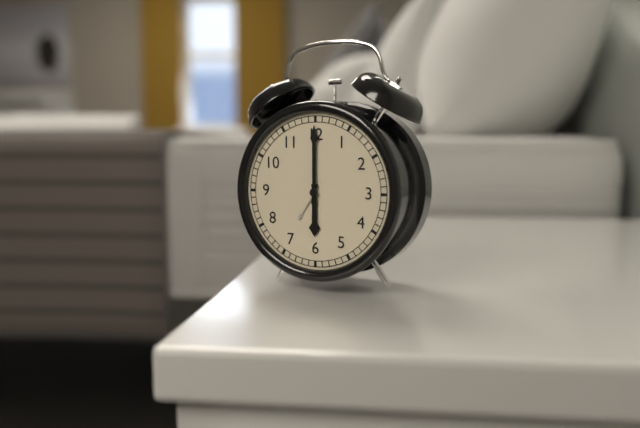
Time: 6h00
